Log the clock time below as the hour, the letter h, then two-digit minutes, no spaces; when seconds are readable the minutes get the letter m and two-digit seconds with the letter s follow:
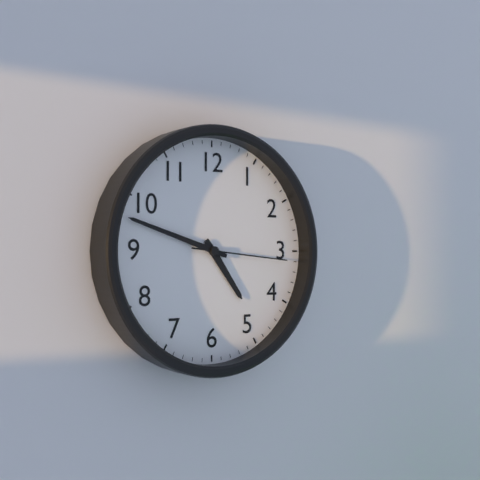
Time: 4h48m16s
